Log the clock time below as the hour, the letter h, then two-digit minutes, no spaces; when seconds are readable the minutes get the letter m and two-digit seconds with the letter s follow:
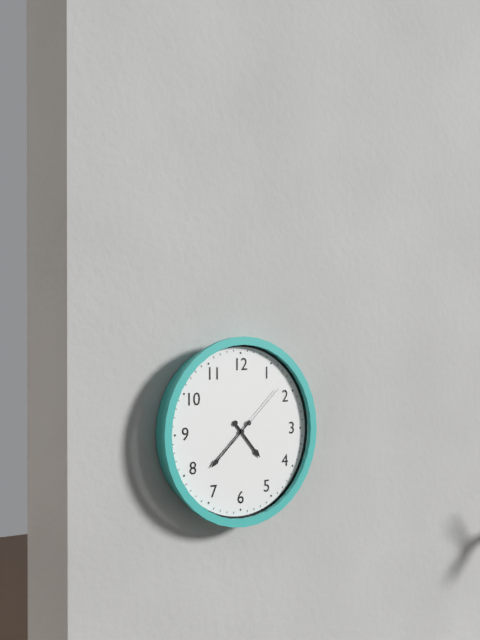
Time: 4h38m08s
